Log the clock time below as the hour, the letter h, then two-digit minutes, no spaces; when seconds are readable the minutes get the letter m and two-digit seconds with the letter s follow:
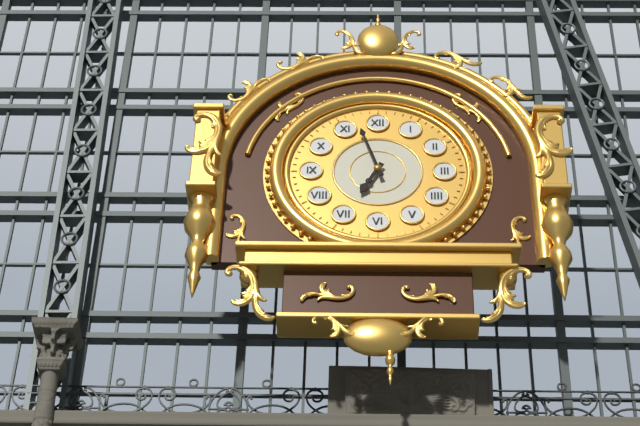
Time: 6h57
